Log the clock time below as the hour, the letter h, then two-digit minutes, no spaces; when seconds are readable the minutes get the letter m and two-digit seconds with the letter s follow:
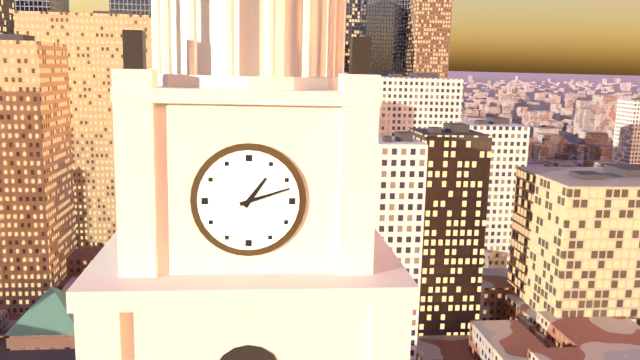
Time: 1h12
